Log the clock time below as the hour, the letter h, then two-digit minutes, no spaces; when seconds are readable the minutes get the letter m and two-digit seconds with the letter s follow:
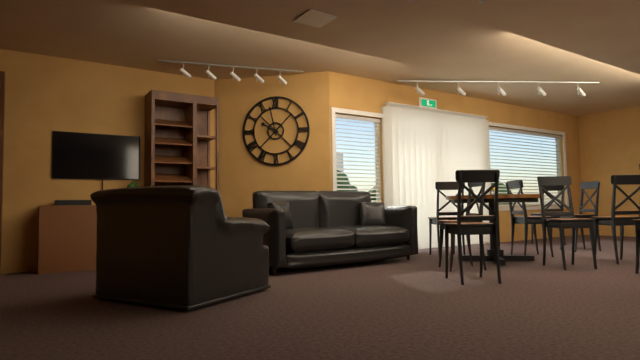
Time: 9h58
